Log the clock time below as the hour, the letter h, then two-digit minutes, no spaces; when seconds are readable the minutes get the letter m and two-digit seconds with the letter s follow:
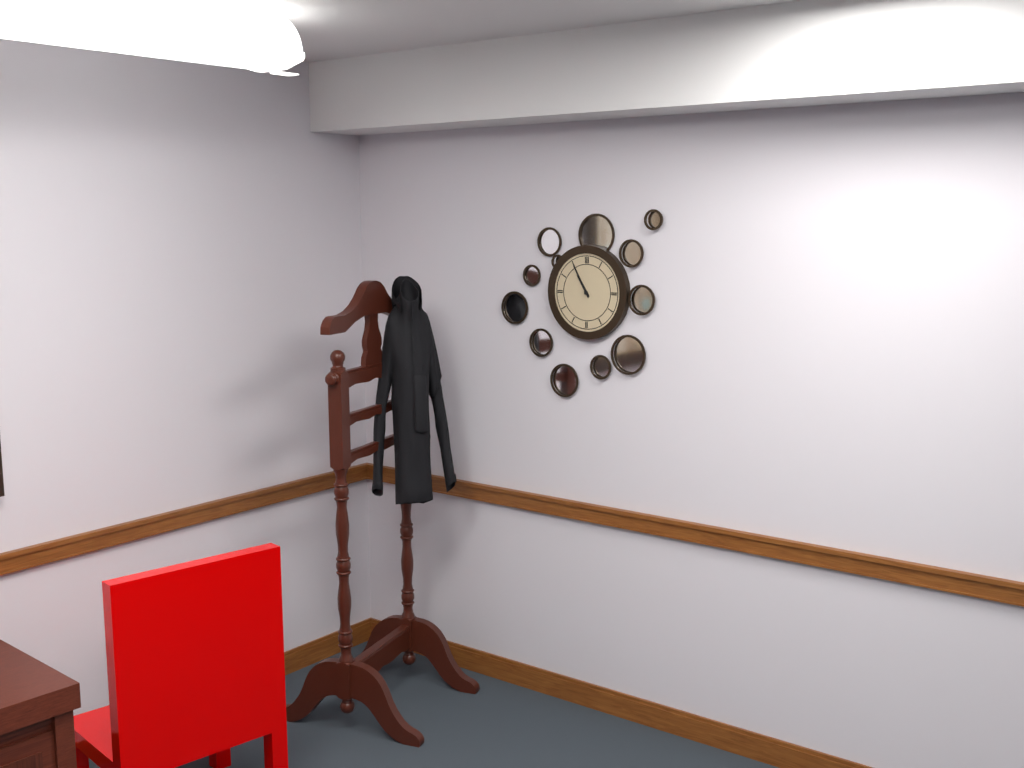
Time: 10h55
